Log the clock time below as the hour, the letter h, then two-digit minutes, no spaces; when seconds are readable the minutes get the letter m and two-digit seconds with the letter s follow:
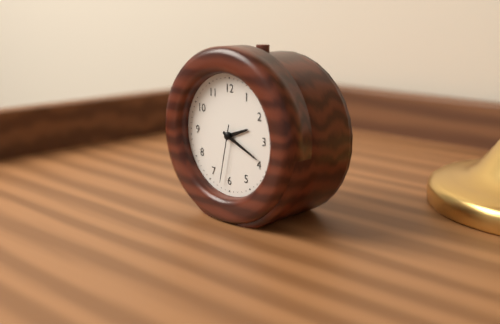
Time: 2h19m32s
